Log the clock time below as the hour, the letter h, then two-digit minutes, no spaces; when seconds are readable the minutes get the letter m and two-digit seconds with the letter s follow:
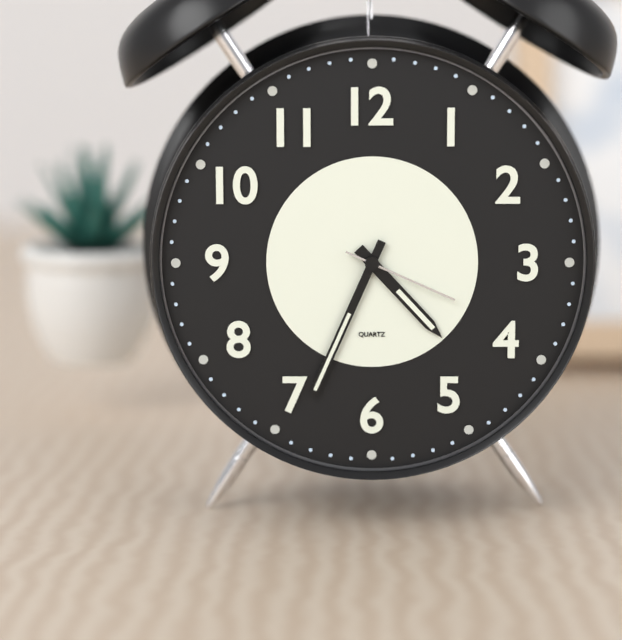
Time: 4h34m19s
